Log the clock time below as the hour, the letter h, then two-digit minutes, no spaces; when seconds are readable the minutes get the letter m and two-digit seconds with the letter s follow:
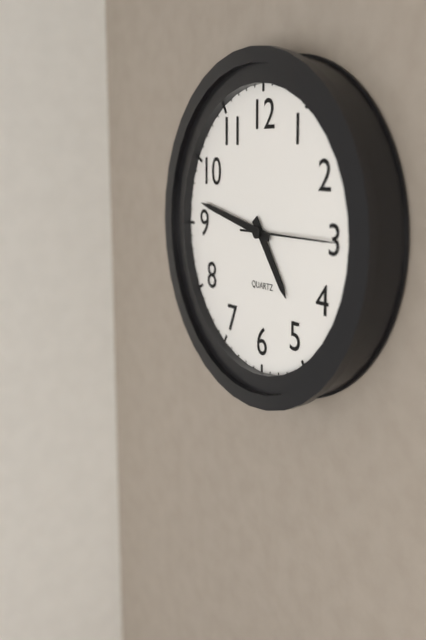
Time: 4h47m15s
